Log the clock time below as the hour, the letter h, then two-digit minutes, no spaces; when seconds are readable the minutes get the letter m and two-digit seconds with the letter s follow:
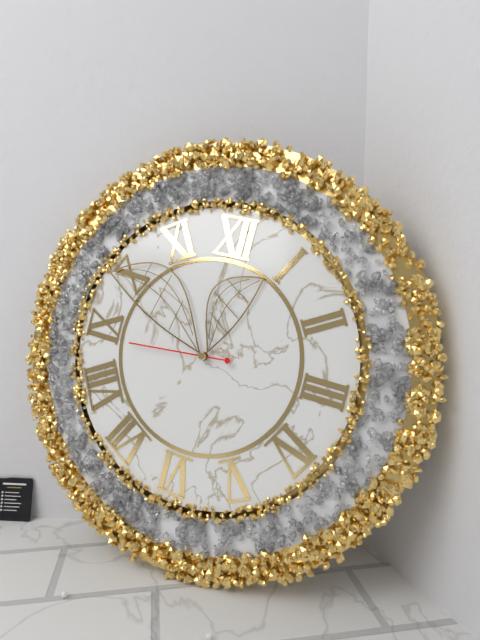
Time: 12h49m44s
